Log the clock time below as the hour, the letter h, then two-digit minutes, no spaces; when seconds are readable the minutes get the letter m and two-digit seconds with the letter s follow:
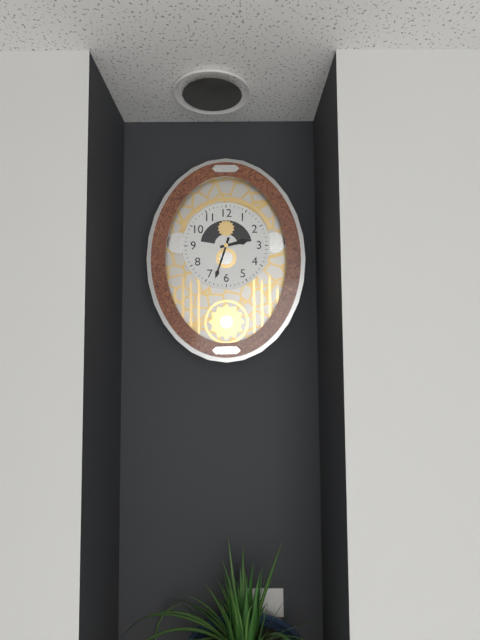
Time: 2h33
